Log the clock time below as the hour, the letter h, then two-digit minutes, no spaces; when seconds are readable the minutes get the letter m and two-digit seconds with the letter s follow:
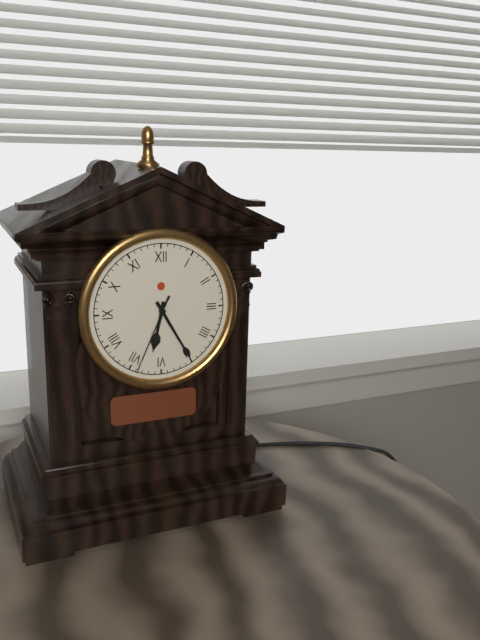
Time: 6h25m34s
